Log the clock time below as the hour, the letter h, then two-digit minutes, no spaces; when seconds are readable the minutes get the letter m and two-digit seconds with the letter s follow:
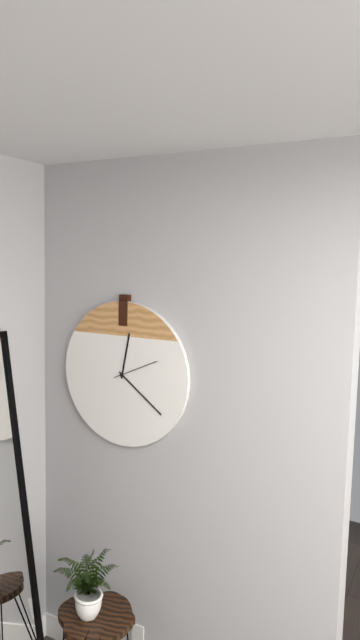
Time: 12h21
